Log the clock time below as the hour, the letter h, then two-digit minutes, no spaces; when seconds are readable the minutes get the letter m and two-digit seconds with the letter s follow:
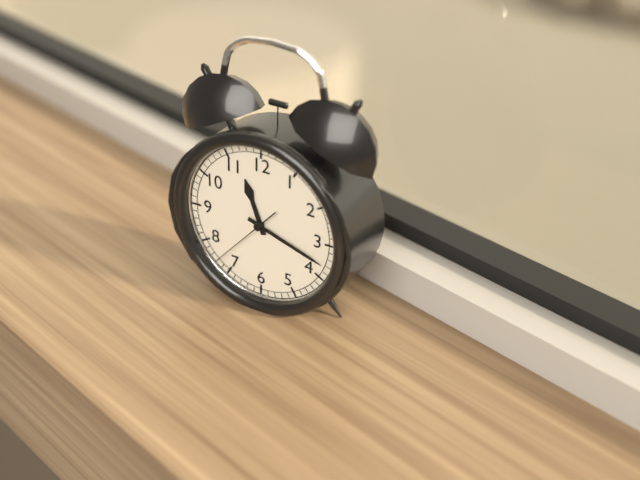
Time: 11h18m37s
